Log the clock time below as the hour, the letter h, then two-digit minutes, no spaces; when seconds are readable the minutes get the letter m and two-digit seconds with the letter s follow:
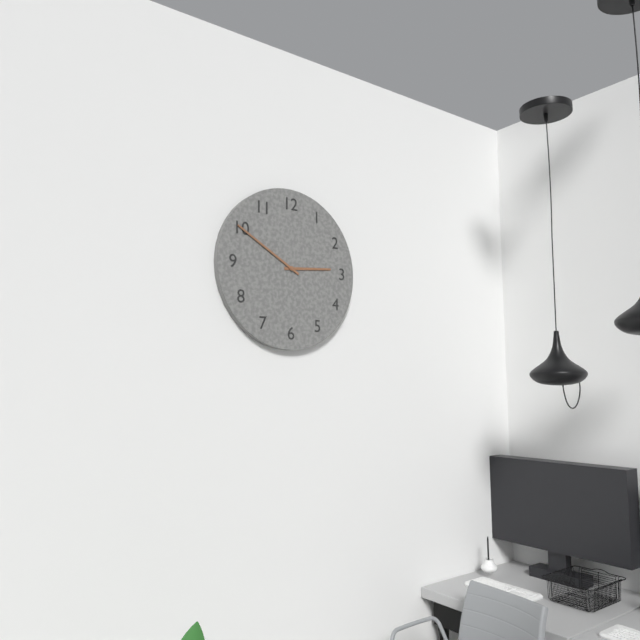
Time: 2h50
